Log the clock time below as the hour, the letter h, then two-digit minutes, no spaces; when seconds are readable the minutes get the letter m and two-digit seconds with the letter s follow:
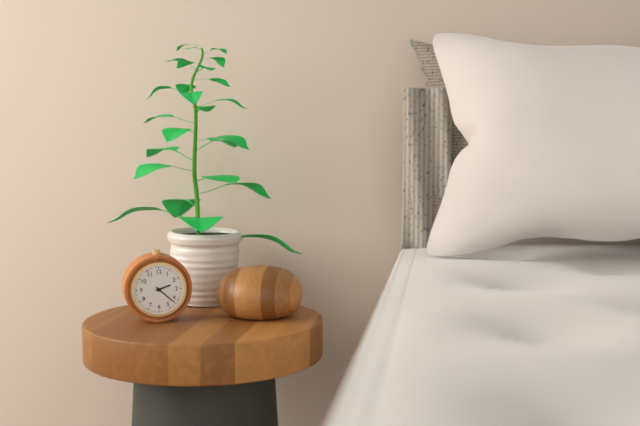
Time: 2h22
